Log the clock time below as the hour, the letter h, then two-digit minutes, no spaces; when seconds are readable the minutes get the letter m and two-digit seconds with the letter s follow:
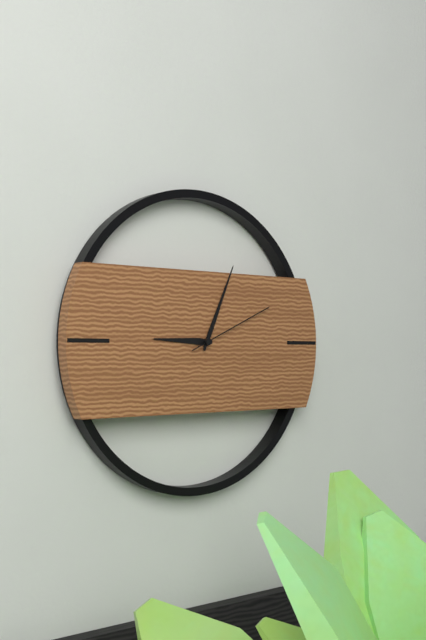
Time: 9h04m11s
